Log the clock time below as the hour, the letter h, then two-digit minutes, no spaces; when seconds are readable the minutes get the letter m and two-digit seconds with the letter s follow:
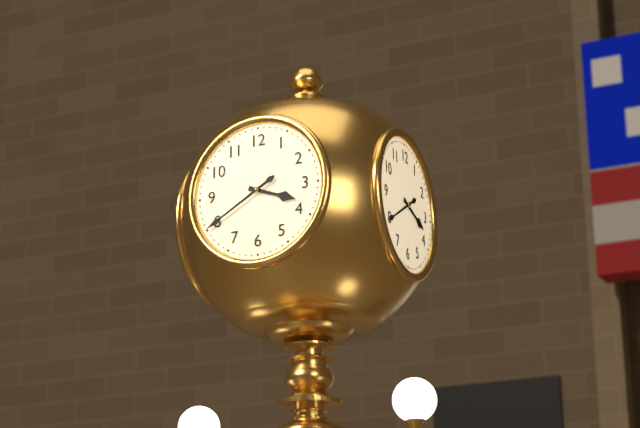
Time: 3h40
